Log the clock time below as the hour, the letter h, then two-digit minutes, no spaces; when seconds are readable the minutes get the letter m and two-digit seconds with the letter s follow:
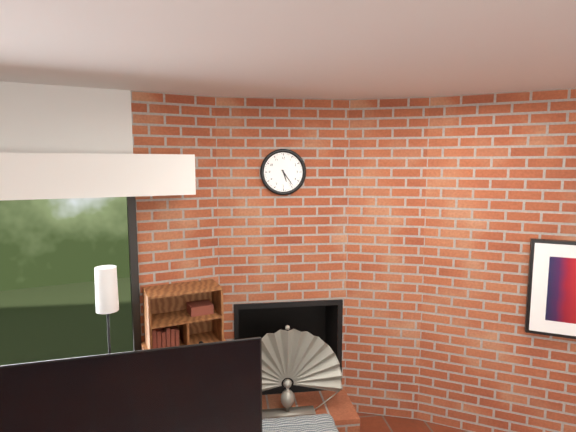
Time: 5h24
